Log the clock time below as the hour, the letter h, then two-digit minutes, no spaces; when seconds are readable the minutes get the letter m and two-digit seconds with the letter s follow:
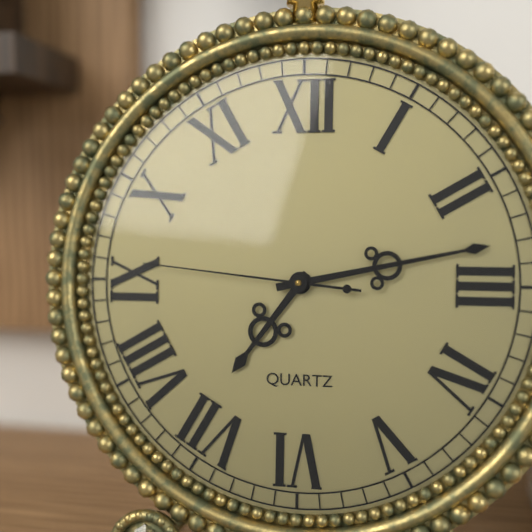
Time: 7h13m46s
